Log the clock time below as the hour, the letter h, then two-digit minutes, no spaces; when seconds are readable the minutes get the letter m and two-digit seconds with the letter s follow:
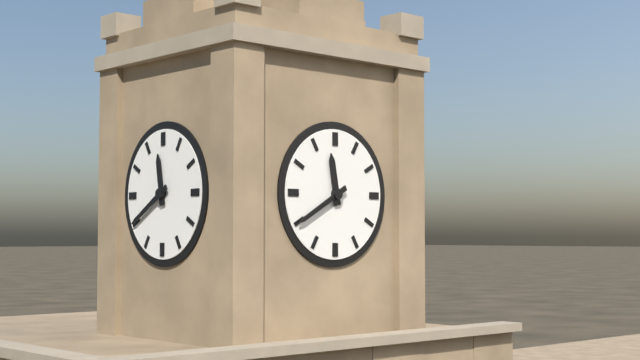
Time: 11h40
